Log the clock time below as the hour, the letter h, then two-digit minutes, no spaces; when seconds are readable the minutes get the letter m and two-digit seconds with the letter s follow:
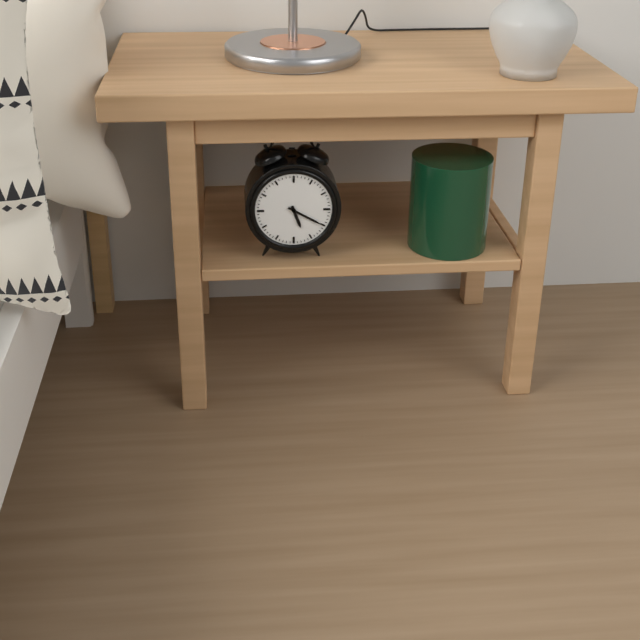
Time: 5h20
